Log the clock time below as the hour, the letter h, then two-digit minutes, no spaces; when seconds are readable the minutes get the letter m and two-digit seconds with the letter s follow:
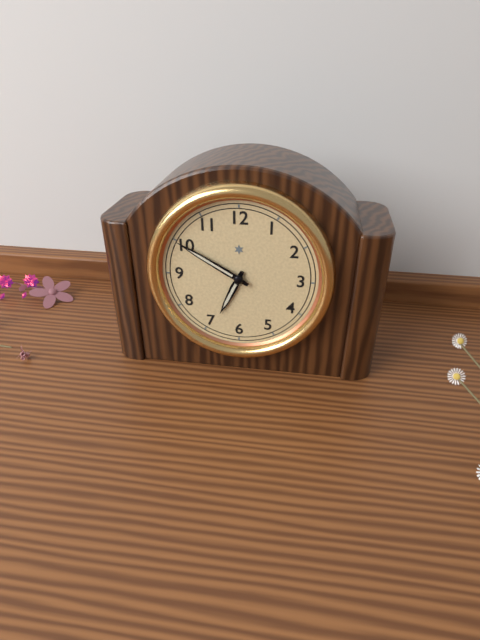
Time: 6h50
